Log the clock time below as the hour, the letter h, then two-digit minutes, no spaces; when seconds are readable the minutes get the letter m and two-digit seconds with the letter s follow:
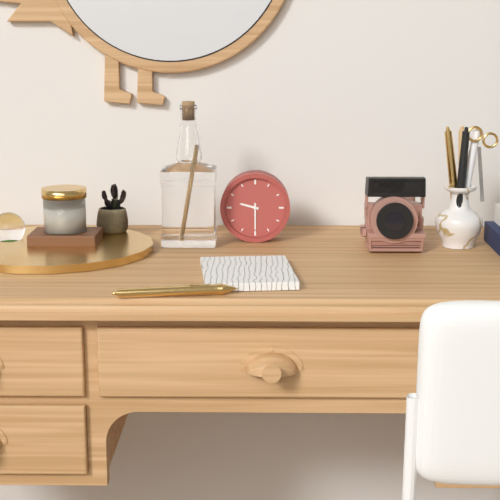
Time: 9h30
